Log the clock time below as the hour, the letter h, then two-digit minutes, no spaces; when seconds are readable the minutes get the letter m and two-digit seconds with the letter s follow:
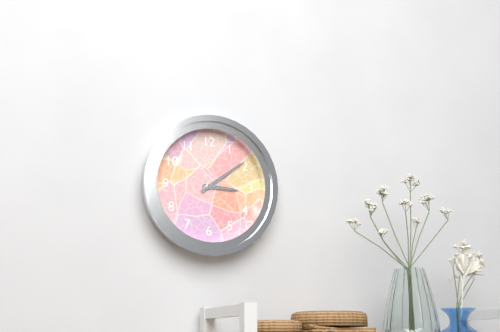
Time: 3h09
